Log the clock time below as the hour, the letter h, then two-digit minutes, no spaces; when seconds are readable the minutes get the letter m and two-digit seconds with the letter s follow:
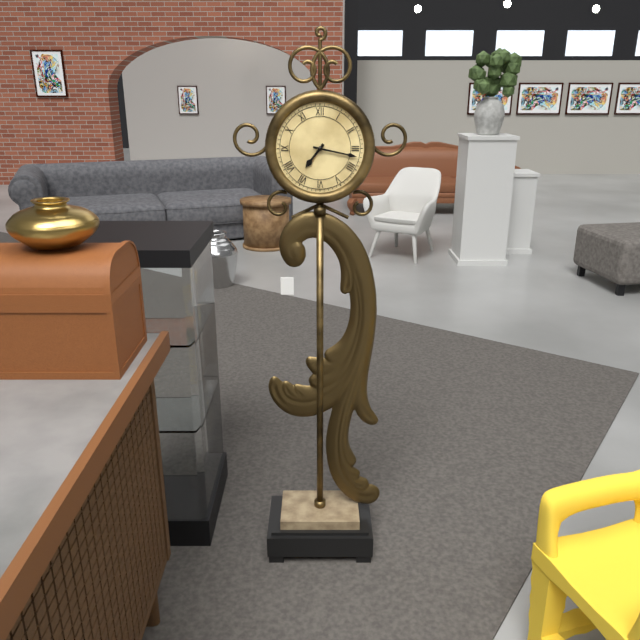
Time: 7h17
